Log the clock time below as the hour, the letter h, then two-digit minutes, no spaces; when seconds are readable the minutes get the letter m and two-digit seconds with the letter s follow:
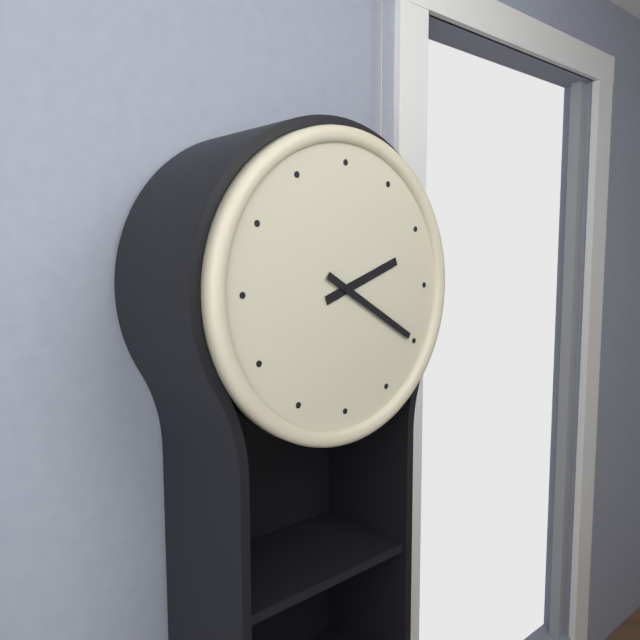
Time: 2h20
